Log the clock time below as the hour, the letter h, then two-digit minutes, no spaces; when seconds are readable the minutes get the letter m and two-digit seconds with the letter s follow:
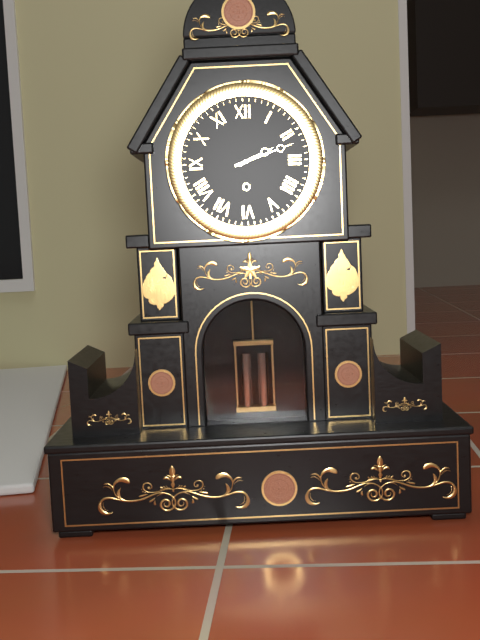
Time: 2h12
